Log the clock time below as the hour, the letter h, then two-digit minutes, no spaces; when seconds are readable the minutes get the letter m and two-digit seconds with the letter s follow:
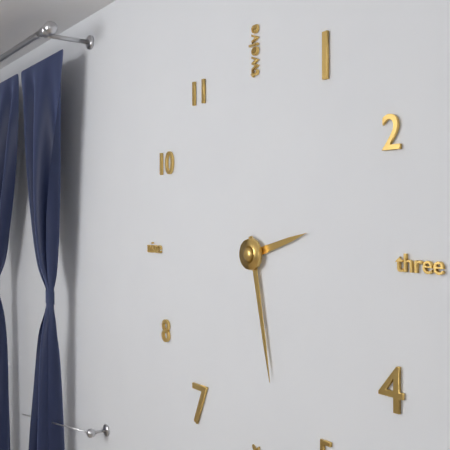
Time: 2h28
